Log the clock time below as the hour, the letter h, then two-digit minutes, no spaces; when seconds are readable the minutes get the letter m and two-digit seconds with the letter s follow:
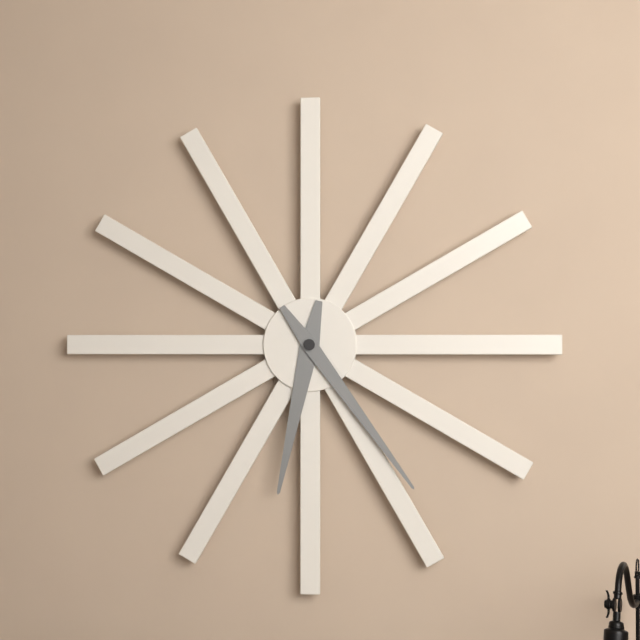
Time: 6h24
